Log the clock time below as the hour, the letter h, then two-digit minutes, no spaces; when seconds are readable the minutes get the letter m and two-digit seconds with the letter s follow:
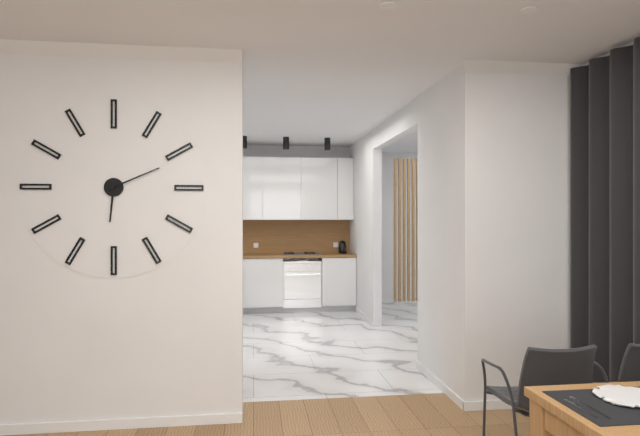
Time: 6h11
